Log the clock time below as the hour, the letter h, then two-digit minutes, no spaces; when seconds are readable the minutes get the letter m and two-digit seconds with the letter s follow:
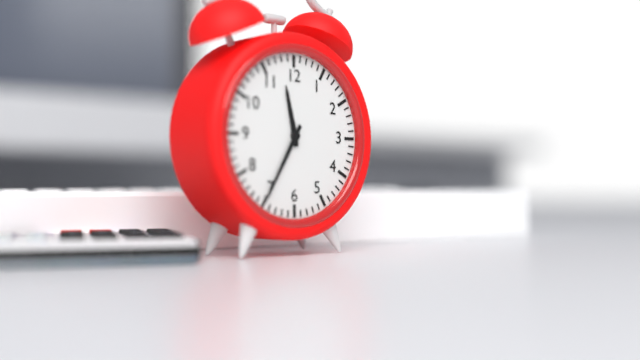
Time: 11h35
